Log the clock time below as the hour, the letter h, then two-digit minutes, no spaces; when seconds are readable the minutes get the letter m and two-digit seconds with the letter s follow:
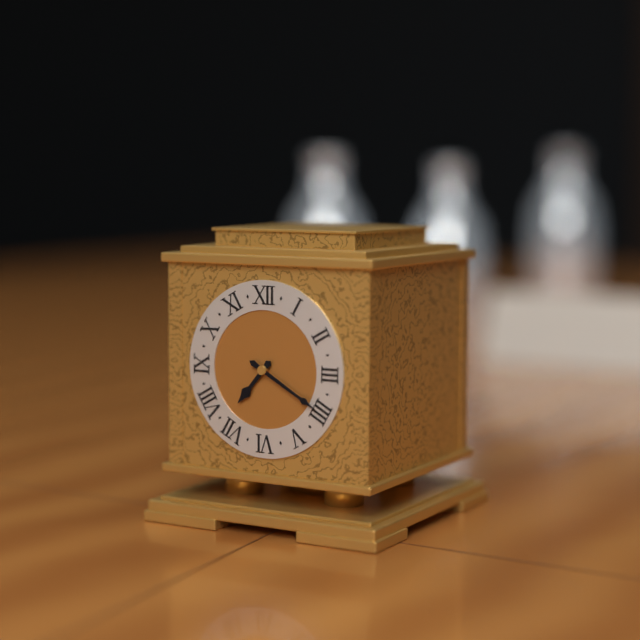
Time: 7h20
